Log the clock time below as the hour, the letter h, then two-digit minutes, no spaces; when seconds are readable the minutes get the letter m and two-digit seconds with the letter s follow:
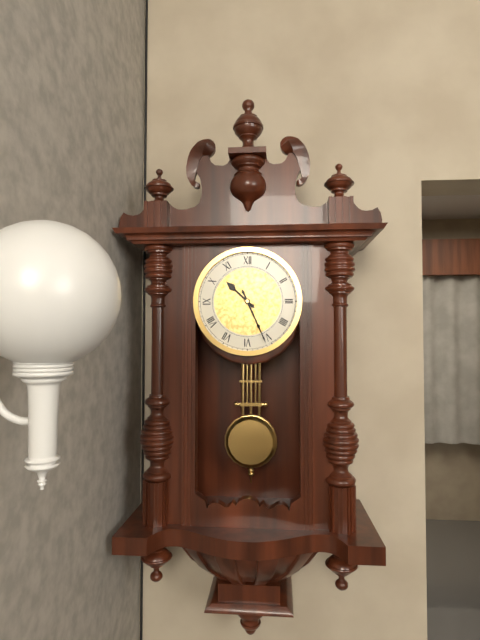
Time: 10h26
